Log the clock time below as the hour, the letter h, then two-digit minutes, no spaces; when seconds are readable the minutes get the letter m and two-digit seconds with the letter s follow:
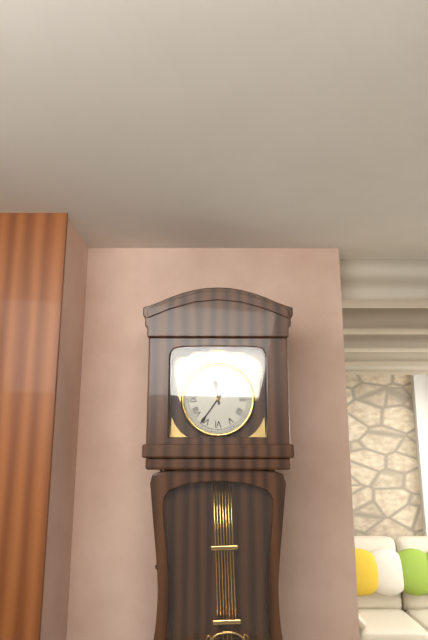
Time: 11h36
